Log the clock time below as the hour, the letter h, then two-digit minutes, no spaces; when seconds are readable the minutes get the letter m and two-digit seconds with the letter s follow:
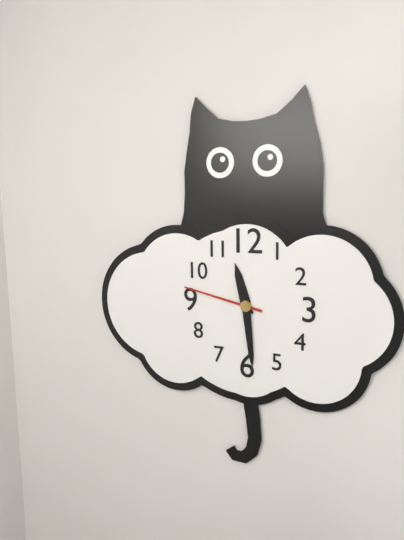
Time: 11h29m47s
